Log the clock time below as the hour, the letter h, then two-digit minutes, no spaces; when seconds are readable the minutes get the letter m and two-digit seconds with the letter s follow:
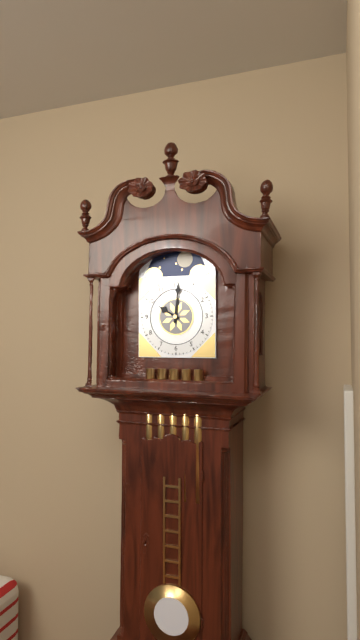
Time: 10h01
